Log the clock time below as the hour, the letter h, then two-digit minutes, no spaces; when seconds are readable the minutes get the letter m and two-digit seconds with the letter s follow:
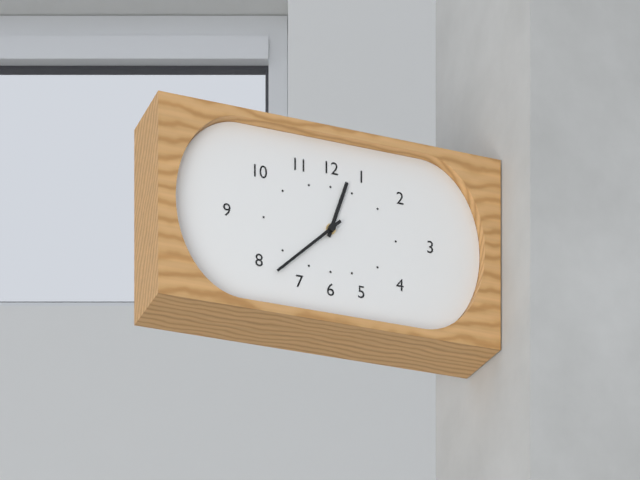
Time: 12h38
